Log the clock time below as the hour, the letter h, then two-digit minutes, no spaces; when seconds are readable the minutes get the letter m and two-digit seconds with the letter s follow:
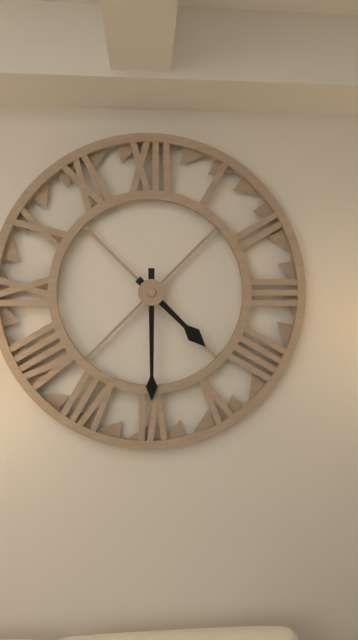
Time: 4h30
